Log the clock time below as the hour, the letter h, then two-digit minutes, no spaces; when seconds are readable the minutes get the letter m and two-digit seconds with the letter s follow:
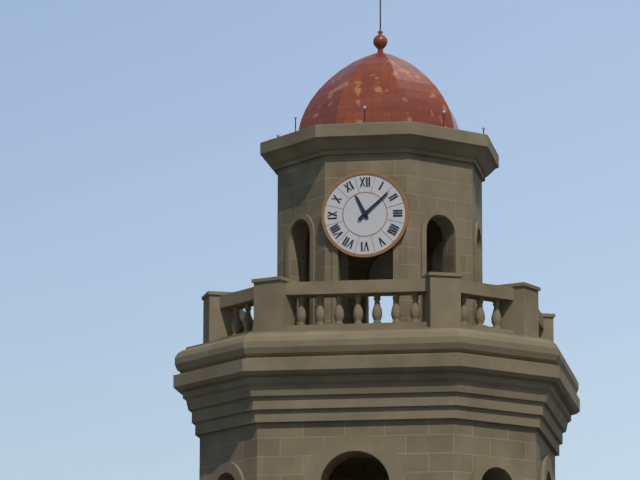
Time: 11h08
